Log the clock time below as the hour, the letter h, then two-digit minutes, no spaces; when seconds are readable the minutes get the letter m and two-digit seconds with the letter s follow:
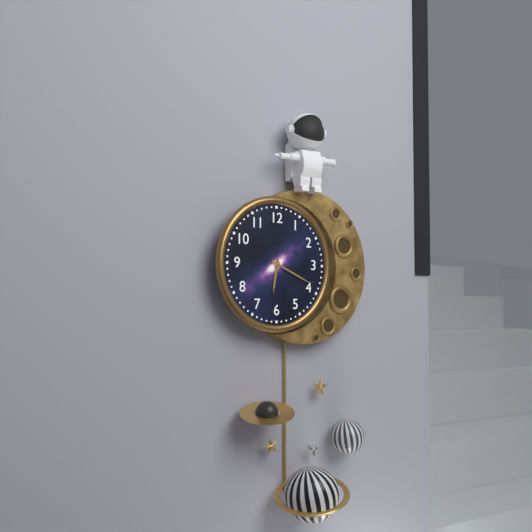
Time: 6h19
